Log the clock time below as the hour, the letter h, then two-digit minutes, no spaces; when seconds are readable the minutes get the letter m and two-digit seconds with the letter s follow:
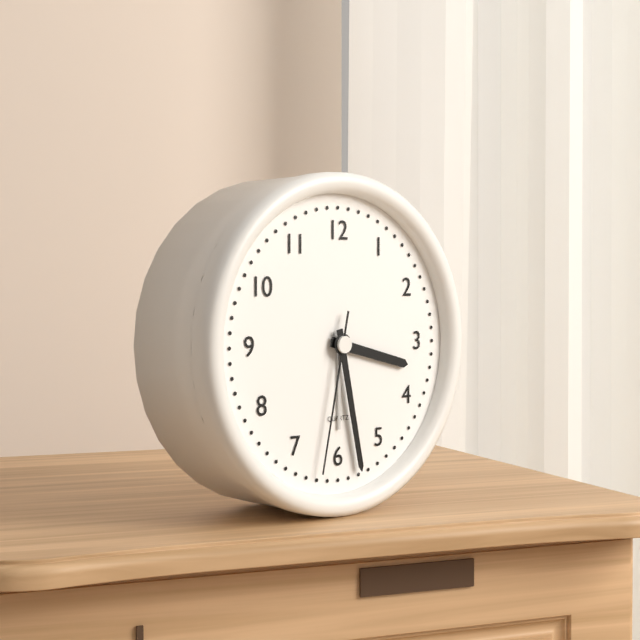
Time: 3h28m32s
